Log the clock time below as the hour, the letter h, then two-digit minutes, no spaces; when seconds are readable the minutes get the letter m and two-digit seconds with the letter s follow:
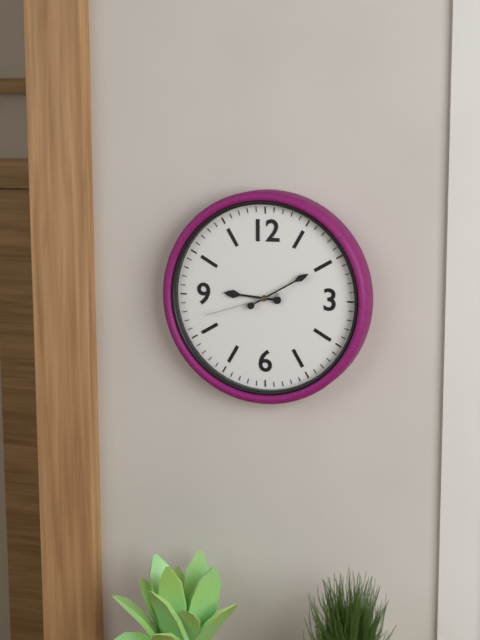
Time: 9h10m42s
